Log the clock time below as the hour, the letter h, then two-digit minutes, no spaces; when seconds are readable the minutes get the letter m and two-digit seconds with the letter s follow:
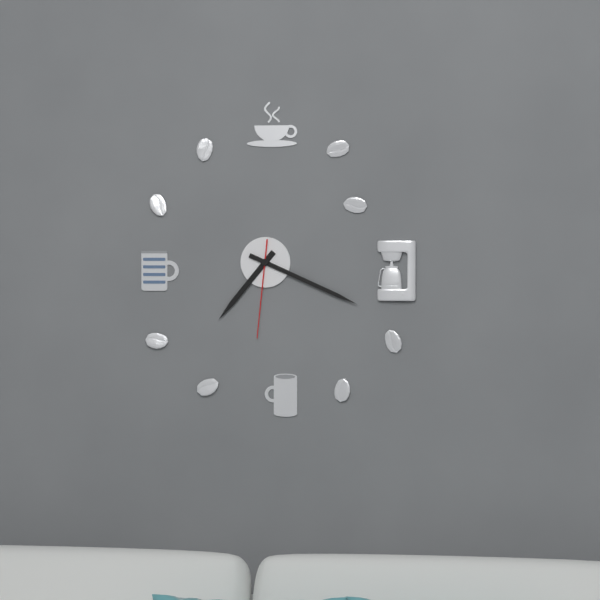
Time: 7h19m31s
